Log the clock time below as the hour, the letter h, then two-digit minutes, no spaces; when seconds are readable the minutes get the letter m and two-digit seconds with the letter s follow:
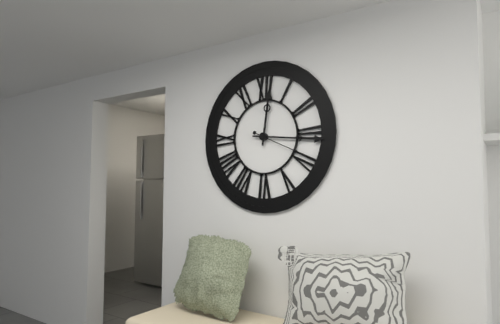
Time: 12h16m19s
